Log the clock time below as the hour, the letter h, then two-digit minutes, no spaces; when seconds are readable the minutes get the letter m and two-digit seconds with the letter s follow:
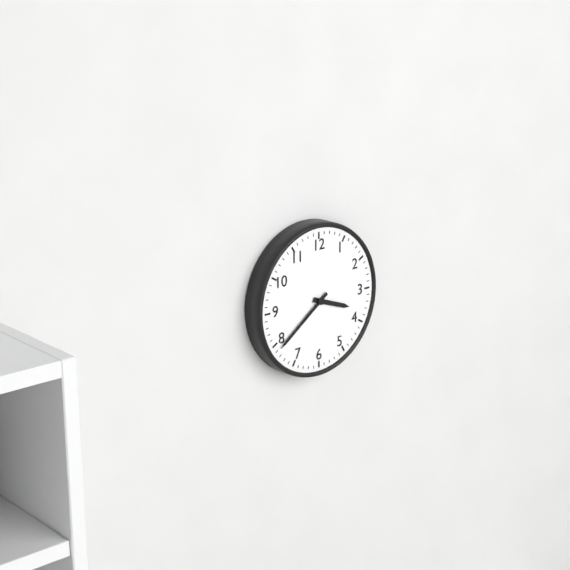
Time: 3h39
